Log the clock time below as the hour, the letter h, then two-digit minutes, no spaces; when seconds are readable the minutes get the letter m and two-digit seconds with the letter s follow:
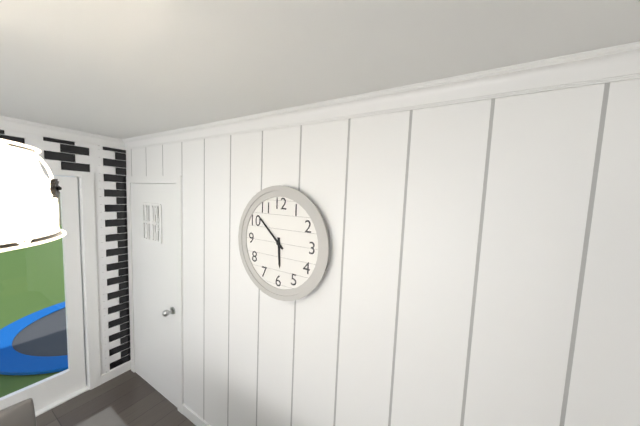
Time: 5h52
